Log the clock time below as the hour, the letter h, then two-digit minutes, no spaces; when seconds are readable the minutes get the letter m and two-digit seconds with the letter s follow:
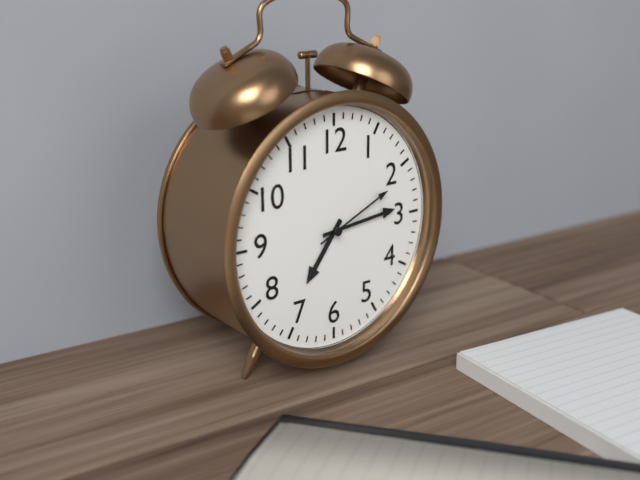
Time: 7h14m11s
